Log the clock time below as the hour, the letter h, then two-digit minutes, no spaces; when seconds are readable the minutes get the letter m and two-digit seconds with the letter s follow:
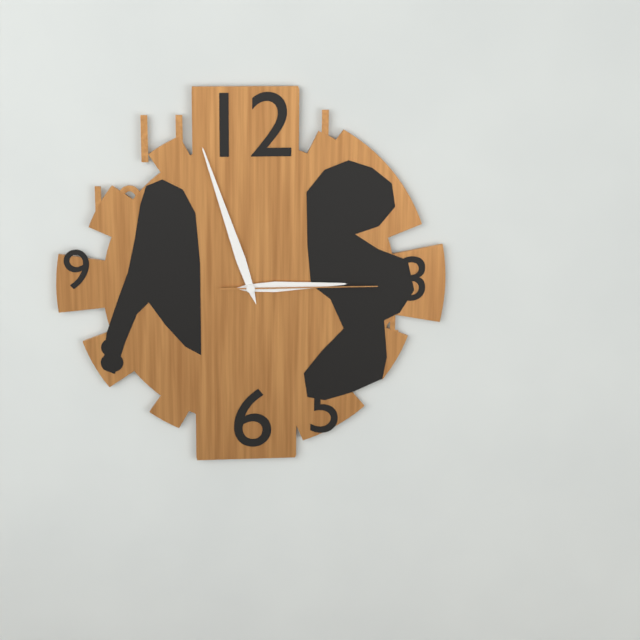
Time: 2h57m15s
